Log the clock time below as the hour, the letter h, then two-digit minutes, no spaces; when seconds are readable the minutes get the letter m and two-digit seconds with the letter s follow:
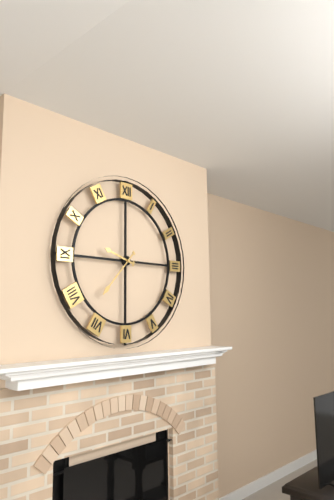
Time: 9h37
